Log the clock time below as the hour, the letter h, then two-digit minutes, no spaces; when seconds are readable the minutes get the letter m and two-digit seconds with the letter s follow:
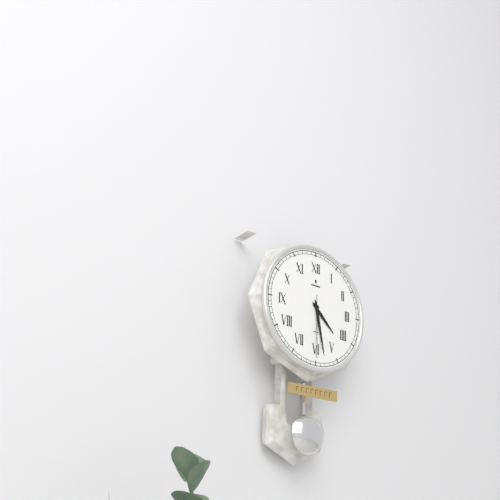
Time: 4h28m30s
